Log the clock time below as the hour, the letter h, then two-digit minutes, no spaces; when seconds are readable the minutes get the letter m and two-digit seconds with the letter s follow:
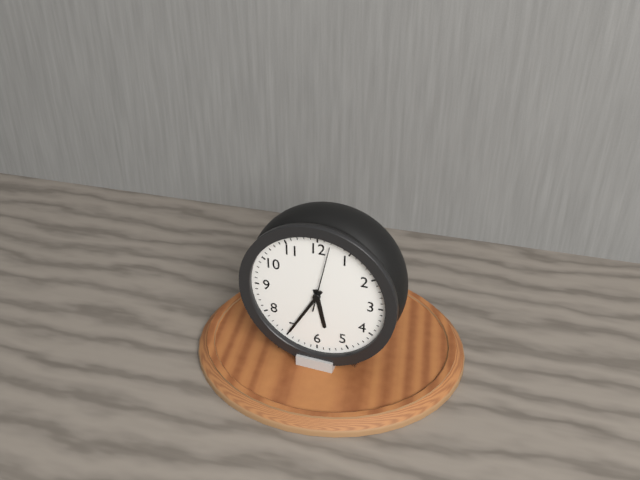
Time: 5h35m02s
